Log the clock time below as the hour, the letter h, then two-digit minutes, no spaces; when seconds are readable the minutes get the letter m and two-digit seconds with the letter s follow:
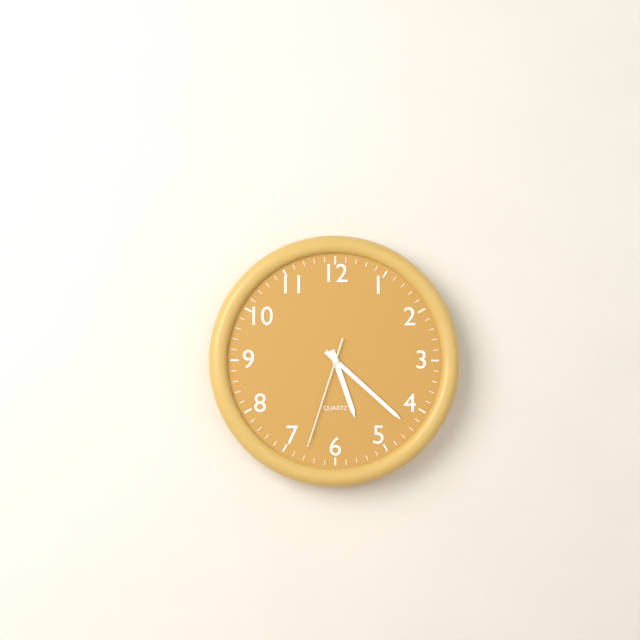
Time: 5h22m33s
